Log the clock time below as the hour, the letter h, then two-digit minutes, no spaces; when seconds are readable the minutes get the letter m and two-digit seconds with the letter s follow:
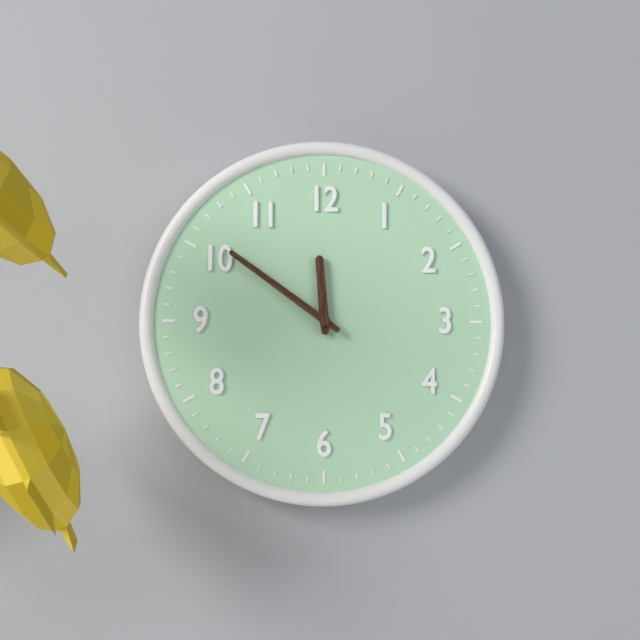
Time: 11h51
